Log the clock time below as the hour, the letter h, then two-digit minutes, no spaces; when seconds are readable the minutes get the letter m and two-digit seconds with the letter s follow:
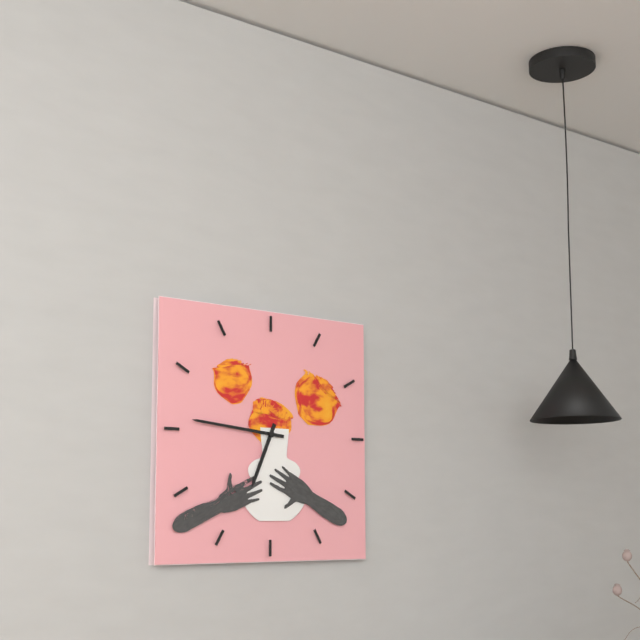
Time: 6h46
